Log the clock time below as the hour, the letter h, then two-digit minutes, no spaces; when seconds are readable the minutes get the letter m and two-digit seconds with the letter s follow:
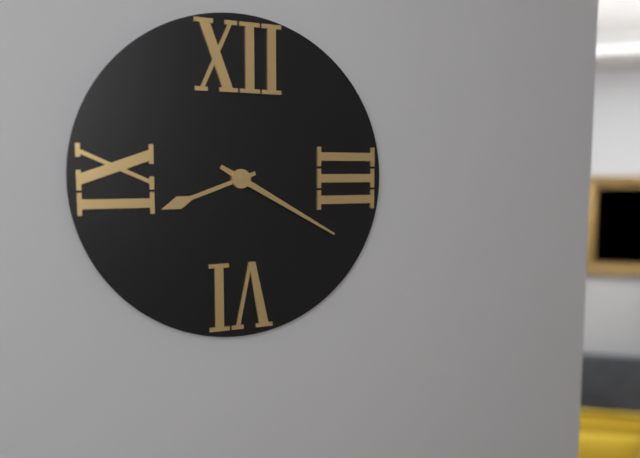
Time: 8h20
